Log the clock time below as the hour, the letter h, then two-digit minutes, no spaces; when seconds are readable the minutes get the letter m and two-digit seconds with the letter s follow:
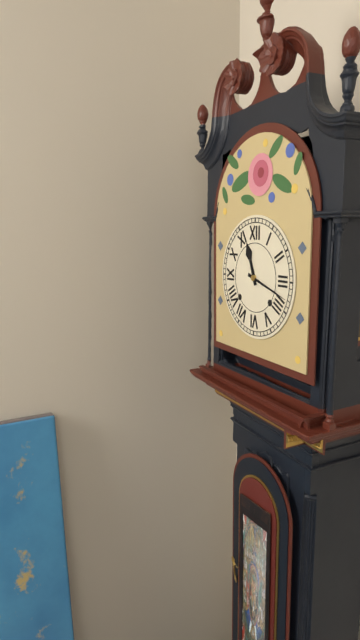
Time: 11h18
